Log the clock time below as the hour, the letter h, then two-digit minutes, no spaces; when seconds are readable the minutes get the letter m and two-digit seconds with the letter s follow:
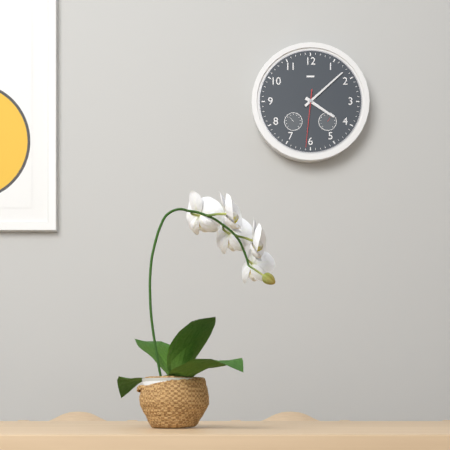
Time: 4h08m31s
